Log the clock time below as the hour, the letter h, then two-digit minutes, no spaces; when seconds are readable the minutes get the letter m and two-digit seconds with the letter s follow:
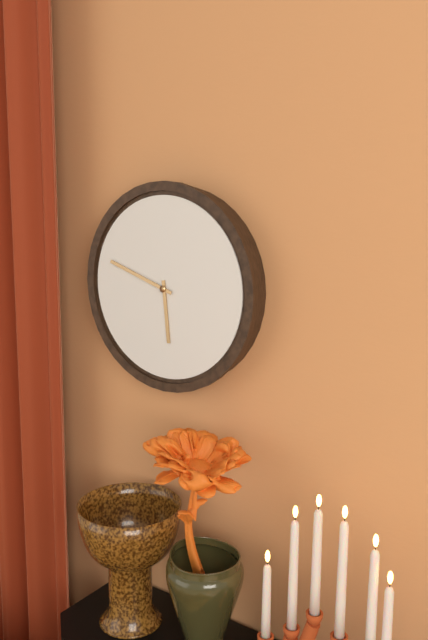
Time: 5h48
